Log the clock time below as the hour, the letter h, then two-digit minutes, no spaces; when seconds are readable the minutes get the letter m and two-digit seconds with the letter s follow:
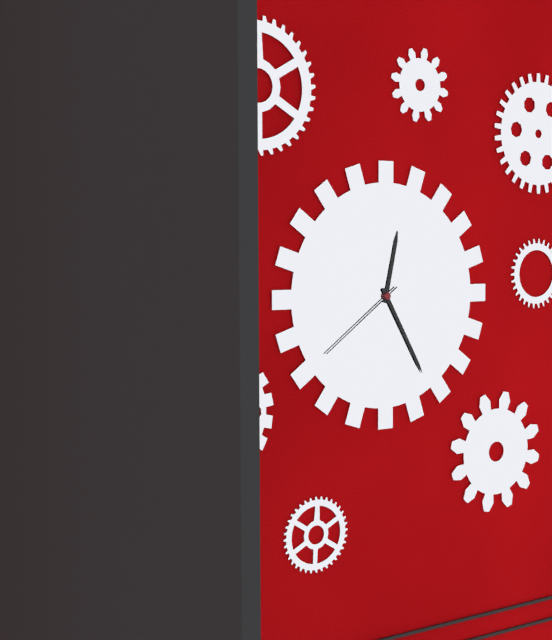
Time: 12h25m39s
